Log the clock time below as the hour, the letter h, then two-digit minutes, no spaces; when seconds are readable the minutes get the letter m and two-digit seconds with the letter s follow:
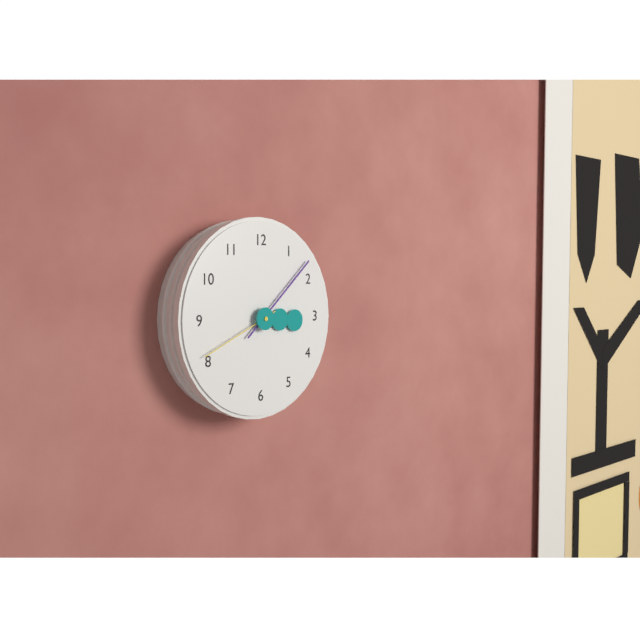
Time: 3h08m41s
